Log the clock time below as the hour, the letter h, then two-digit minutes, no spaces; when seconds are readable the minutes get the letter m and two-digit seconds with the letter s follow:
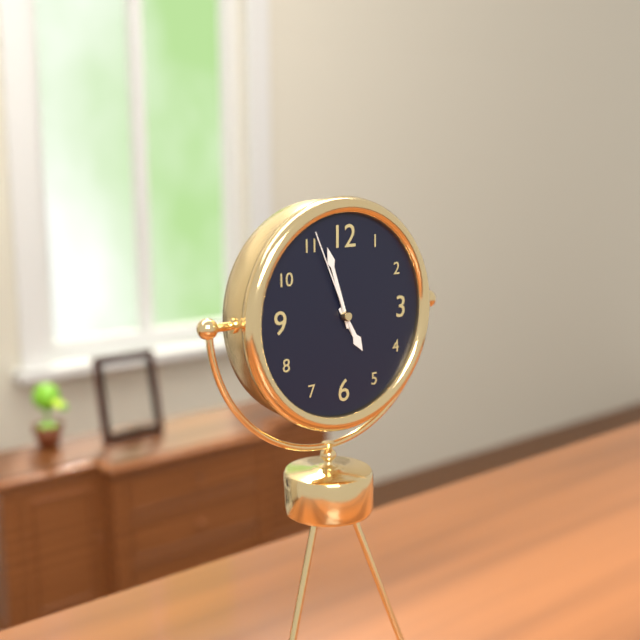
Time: 4h57m56s
